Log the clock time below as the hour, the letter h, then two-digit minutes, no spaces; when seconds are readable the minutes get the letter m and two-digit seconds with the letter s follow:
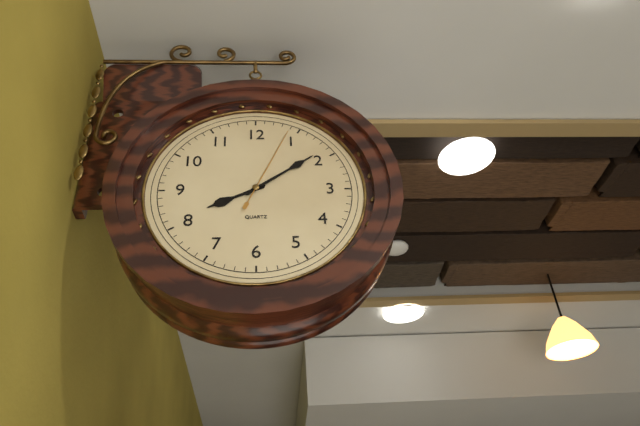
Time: 8h09m04s
